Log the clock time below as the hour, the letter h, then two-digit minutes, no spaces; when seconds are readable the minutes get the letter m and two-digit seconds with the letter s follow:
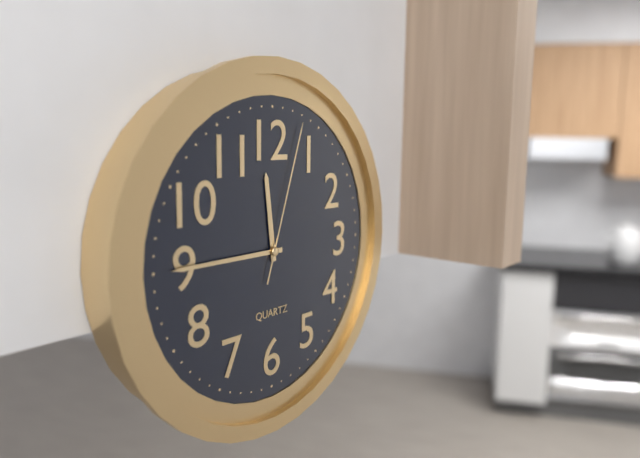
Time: 11h45m03s
